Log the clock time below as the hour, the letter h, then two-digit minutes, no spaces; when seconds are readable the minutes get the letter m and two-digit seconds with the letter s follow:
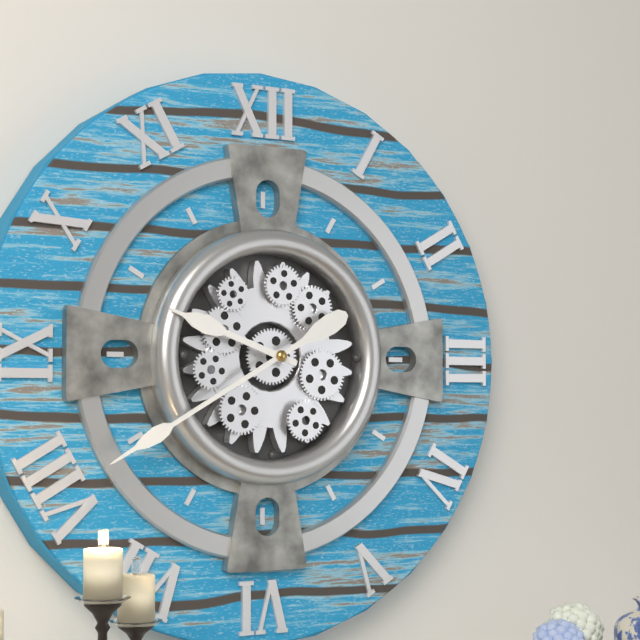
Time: 9h40
